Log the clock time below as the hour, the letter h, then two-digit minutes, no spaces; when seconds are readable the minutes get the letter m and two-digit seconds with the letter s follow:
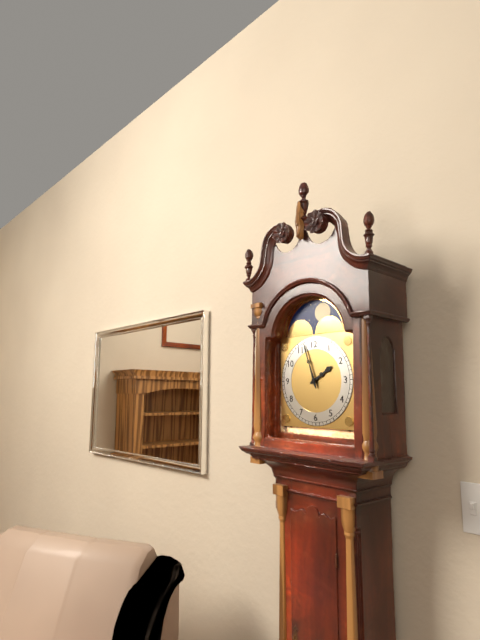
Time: 1h57
